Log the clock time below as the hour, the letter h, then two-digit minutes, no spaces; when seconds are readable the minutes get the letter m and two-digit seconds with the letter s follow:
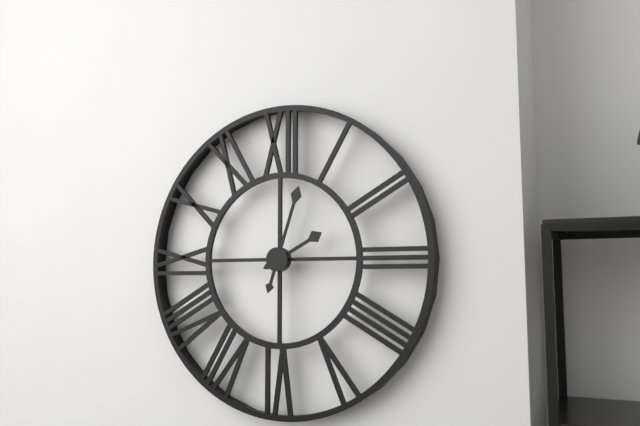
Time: 2h03
